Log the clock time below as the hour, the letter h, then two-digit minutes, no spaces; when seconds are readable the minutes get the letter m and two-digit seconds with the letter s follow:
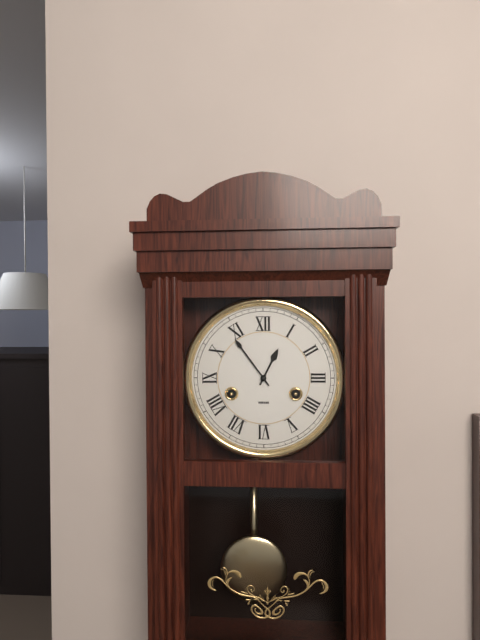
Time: 12h54
